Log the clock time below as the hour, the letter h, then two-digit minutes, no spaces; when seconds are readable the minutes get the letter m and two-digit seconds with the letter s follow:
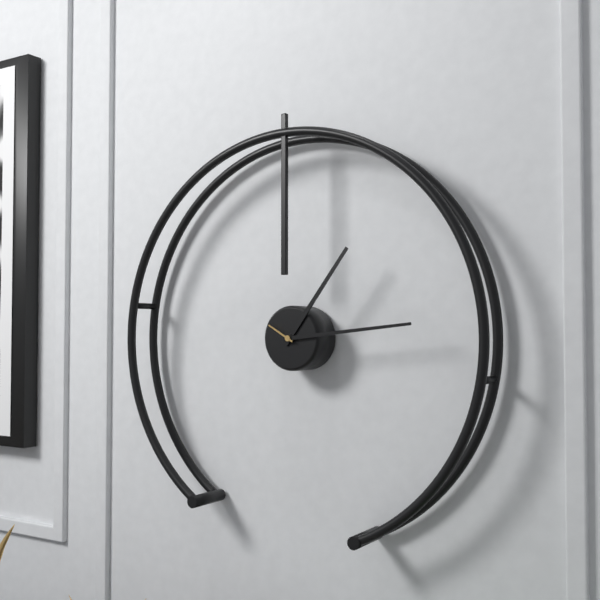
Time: 1h14
